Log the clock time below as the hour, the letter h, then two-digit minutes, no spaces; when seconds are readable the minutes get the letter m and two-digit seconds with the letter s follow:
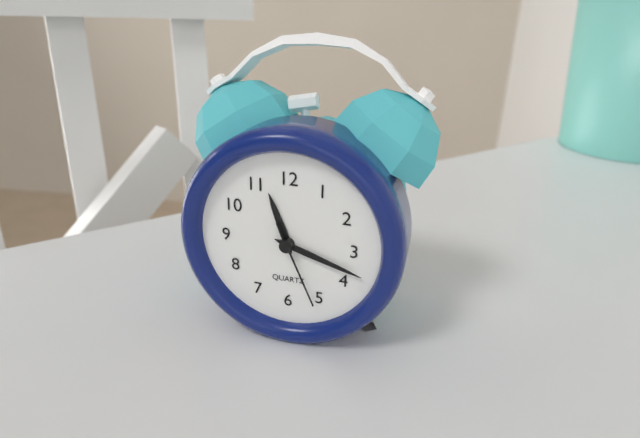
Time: 11h18m26s
